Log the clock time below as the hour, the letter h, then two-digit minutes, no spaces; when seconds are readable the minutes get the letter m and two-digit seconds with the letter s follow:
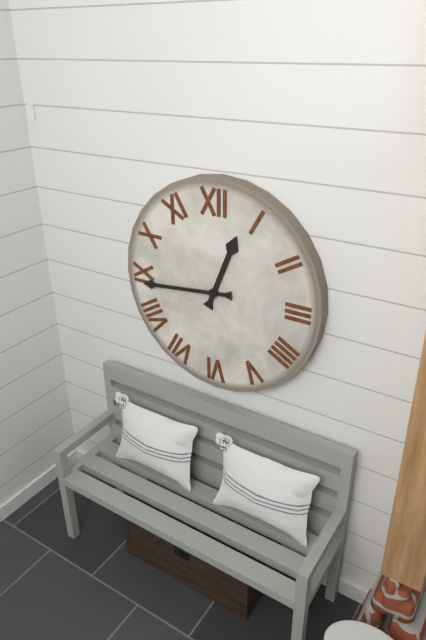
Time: 12h44
